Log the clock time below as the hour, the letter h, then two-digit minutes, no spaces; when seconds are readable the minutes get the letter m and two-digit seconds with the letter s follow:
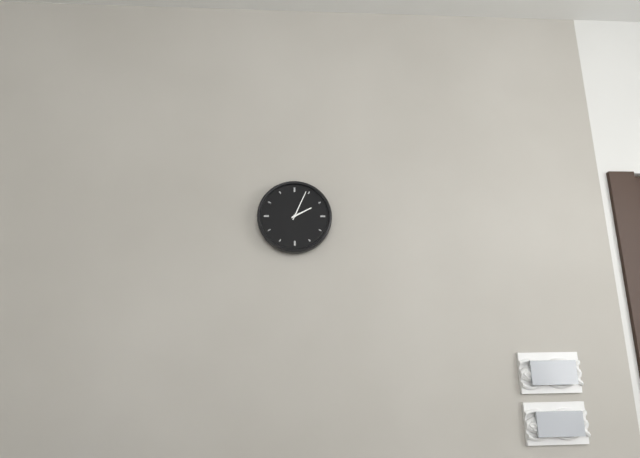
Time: 2h04
